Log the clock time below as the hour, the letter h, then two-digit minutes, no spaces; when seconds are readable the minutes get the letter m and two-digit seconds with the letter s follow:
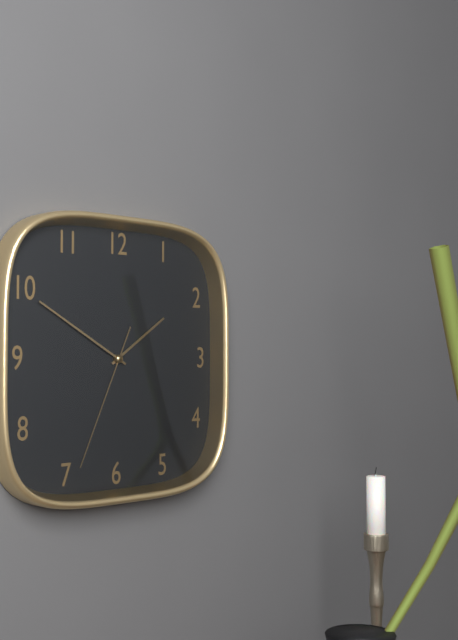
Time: 1h50m34s
